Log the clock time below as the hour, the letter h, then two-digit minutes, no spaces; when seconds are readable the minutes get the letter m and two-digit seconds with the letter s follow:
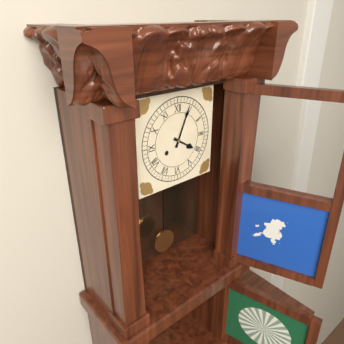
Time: 4h04
